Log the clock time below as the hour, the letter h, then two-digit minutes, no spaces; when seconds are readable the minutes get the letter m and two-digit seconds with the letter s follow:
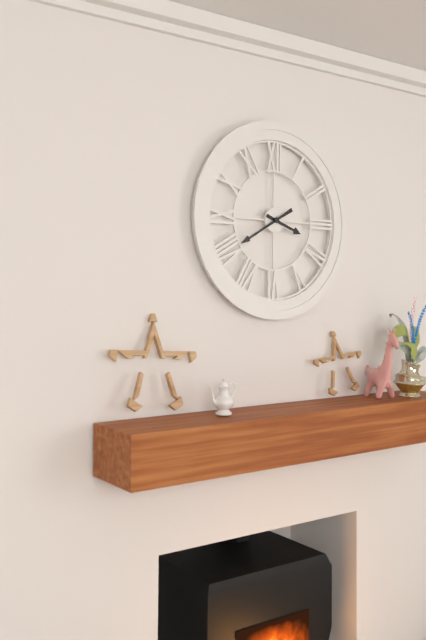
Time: 3h40
